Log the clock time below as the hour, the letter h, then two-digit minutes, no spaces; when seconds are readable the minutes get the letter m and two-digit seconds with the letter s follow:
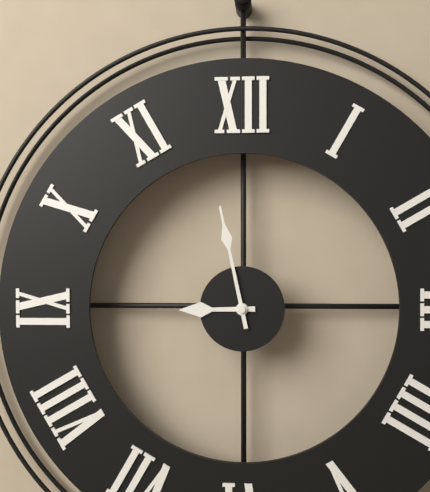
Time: 8h58
